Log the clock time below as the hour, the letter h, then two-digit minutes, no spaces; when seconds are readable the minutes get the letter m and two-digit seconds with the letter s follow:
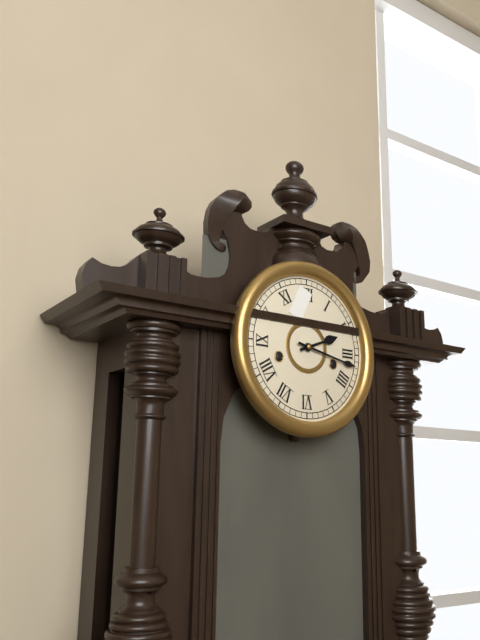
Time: 2h17
